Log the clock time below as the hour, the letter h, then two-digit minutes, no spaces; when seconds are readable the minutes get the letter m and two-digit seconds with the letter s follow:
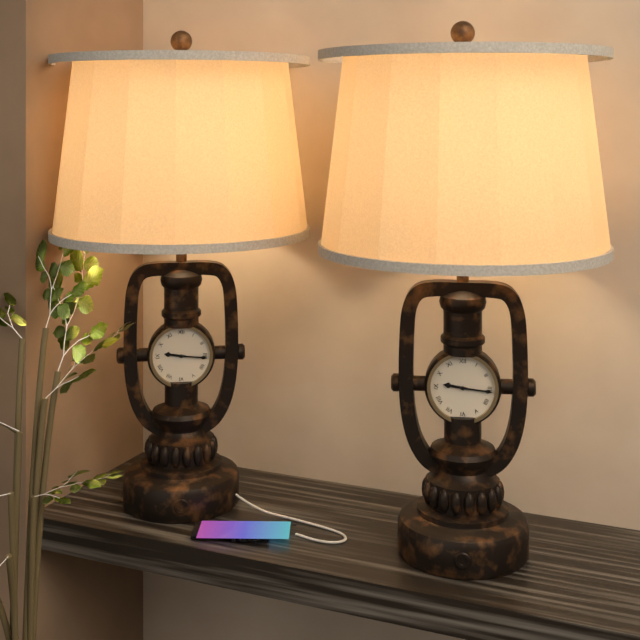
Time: 9h16
